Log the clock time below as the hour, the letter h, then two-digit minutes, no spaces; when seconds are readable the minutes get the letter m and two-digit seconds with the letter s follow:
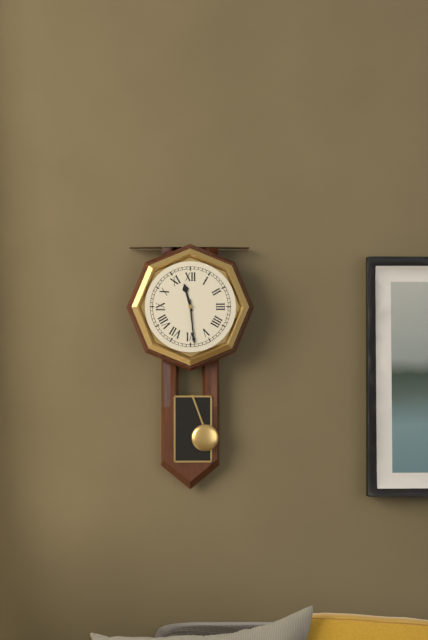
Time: 11h29
